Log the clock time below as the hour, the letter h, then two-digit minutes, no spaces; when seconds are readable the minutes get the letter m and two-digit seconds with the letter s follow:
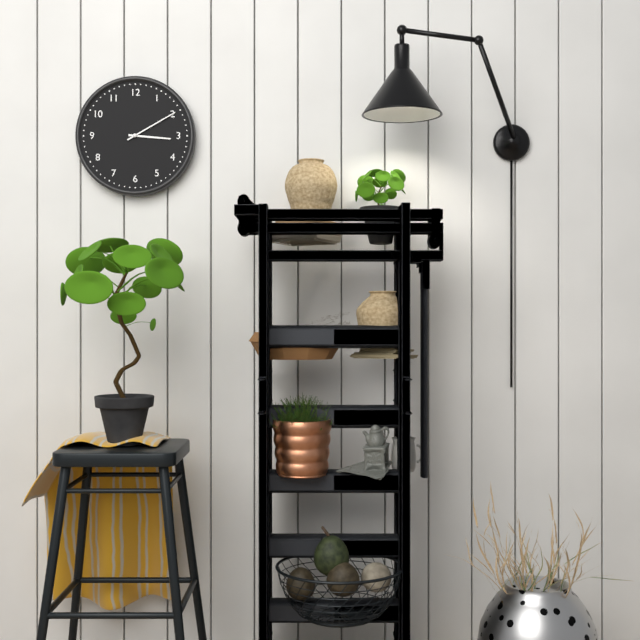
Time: 3h10
